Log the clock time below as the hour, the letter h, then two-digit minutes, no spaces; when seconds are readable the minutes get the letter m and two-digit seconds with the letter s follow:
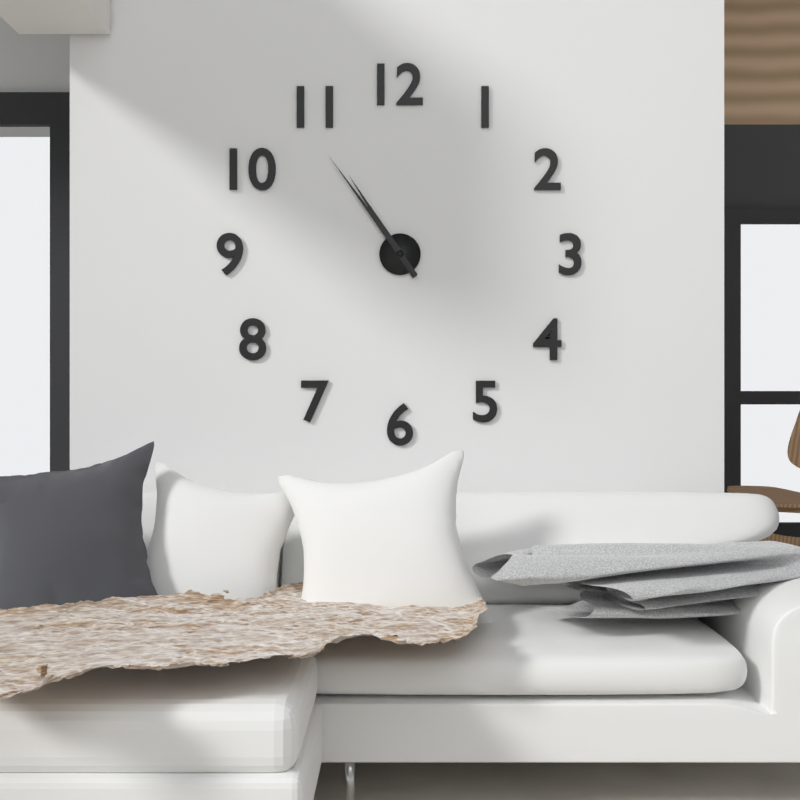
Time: 10h54
